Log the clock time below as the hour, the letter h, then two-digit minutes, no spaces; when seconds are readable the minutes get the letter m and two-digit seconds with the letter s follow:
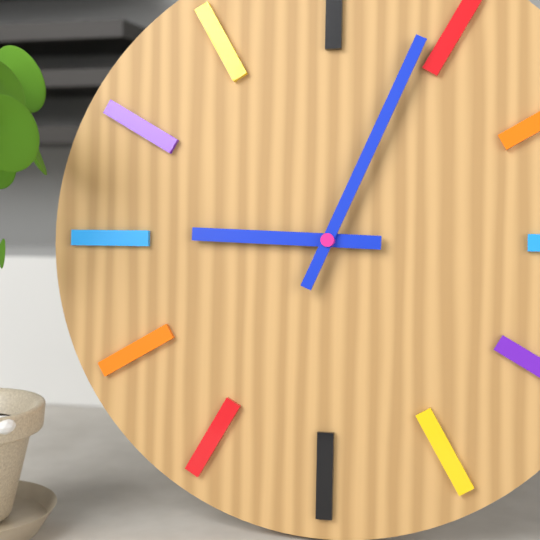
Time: 9h04
